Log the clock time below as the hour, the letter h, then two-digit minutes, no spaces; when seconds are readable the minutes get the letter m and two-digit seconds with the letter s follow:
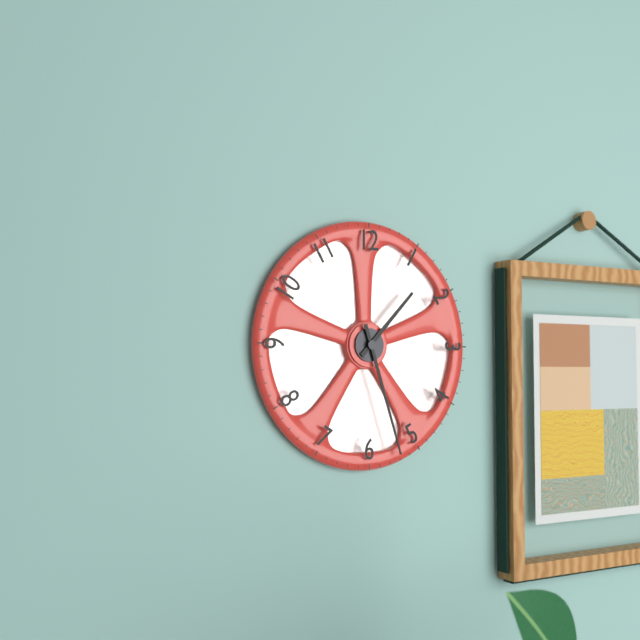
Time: 1h27
